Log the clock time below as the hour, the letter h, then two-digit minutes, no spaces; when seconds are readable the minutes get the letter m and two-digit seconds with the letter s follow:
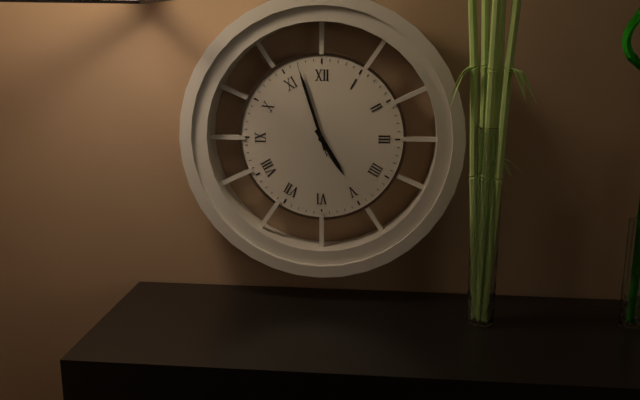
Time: 4h57m57s
